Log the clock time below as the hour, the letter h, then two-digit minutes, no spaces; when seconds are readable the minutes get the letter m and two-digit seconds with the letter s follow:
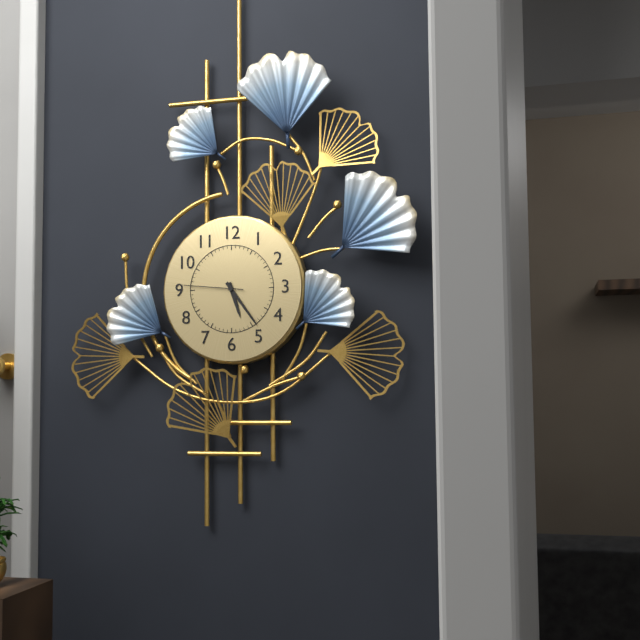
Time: 5h24m46s
